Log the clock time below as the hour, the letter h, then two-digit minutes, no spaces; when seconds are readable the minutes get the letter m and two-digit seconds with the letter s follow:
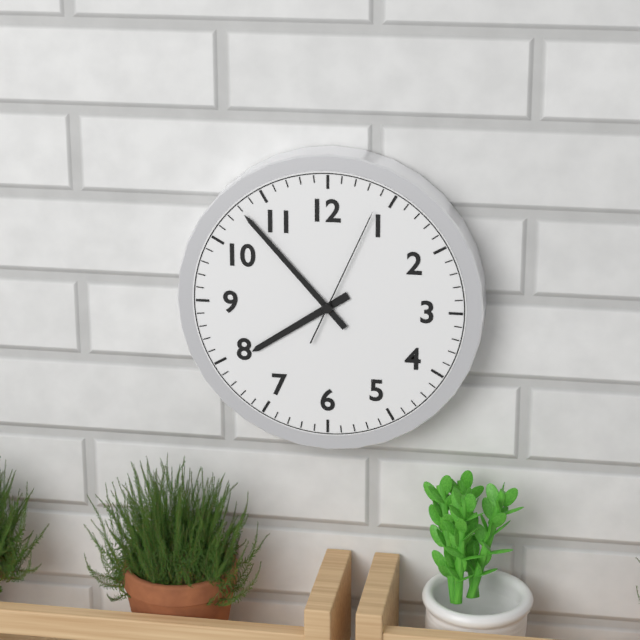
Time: 7h53m04s
